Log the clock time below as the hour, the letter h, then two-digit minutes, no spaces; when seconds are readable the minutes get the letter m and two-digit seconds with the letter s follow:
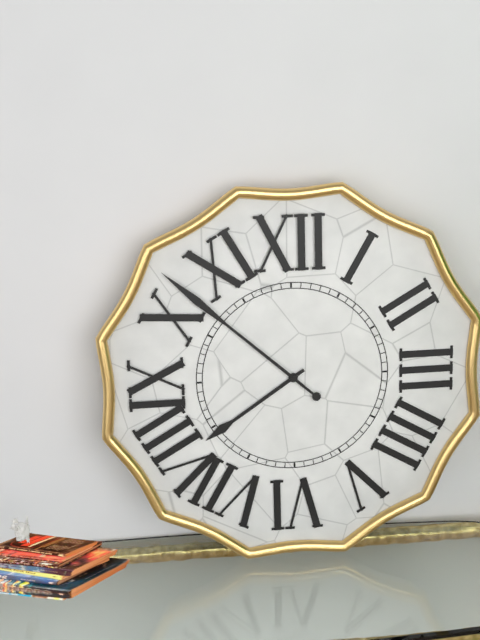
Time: 7h52
